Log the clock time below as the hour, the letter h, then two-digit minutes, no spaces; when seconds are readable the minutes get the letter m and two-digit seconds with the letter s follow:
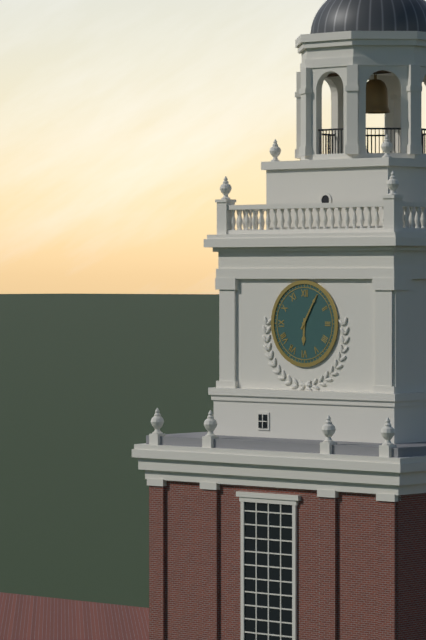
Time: 6h05
